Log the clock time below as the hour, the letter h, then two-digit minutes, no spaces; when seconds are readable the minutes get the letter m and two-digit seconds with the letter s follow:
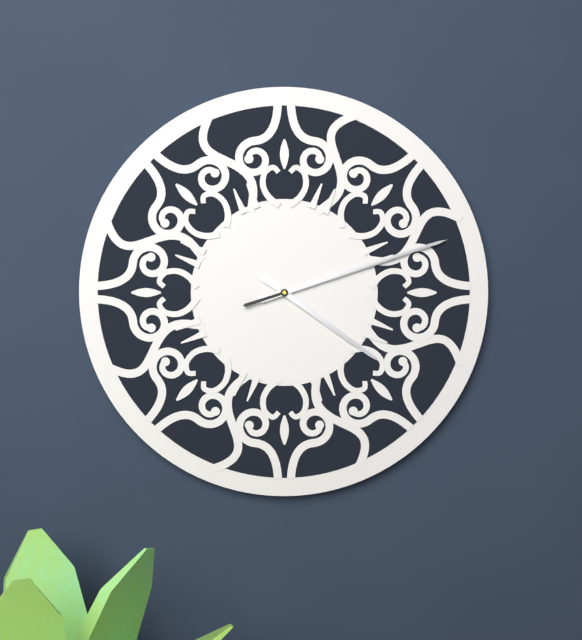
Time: 4h12m12s
